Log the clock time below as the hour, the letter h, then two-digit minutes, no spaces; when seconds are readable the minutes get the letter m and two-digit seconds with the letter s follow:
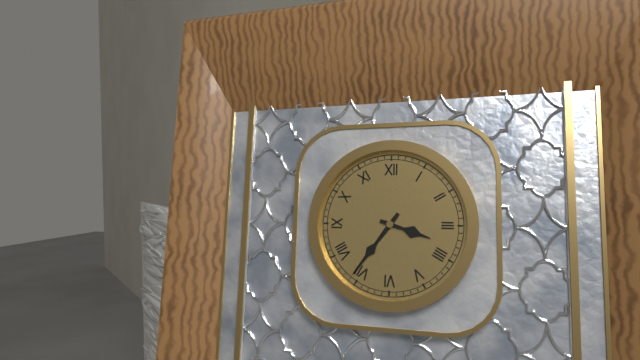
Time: 3h36
